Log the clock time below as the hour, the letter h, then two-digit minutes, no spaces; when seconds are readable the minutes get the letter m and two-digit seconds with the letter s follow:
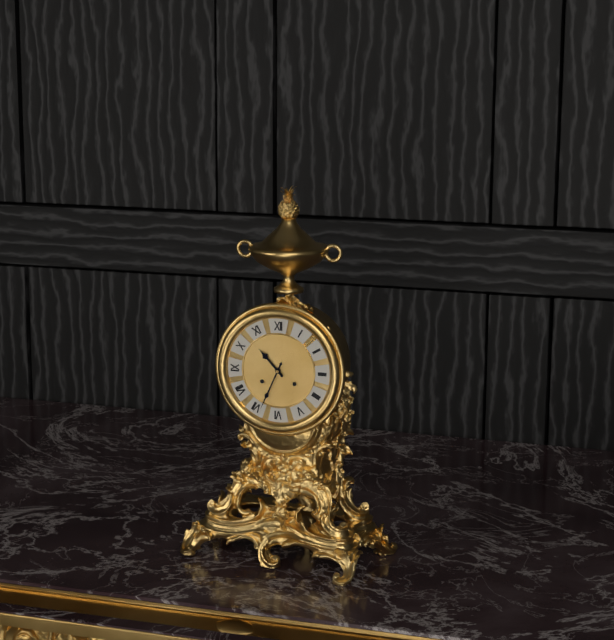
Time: 10h34
